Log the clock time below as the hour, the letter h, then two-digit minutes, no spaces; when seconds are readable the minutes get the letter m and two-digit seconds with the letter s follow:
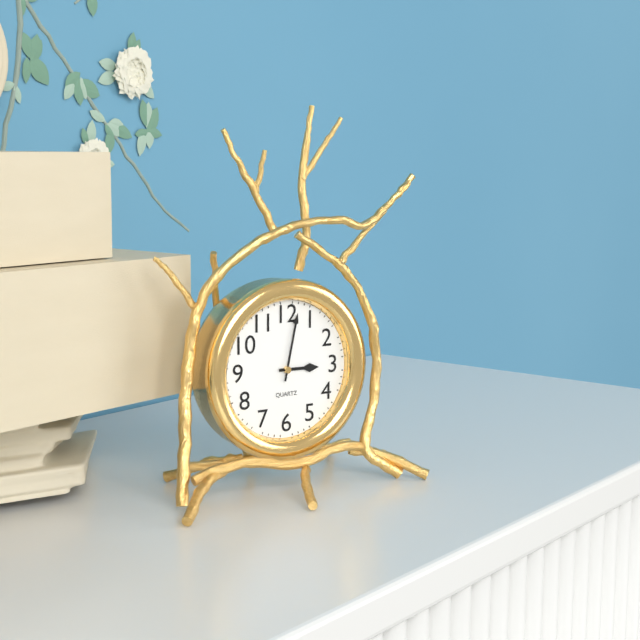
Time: 3h02
